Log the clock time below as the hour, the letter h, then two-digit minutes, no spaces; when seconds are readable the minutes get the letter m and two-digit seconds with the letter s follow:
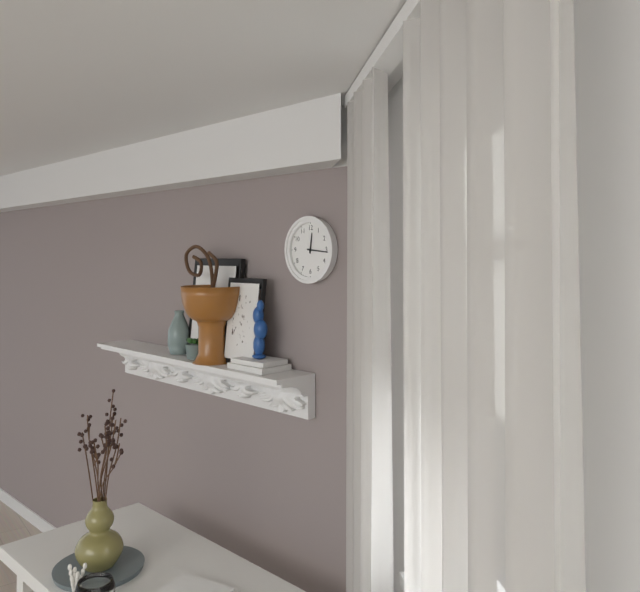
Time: 12h16
